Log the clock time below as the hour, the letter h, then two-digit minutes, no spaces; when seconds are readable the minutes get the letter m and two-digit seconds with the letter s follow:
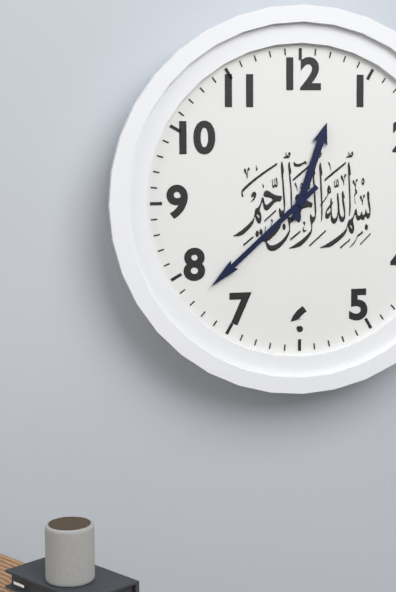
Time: 12h38
